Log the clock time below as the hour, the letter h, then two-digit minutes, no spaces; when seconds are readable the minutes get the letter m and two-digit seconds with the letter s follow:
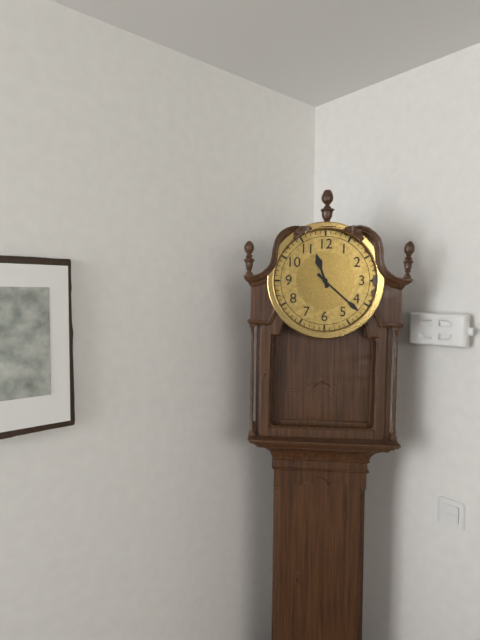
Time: 11h22
